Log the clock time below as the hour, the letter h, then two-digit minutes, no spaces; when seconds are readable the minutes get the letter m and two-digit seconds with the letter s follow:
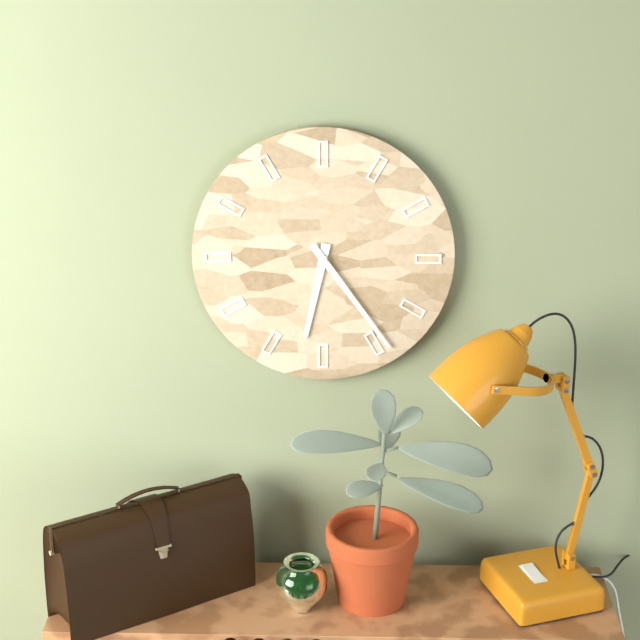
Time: 6h24
